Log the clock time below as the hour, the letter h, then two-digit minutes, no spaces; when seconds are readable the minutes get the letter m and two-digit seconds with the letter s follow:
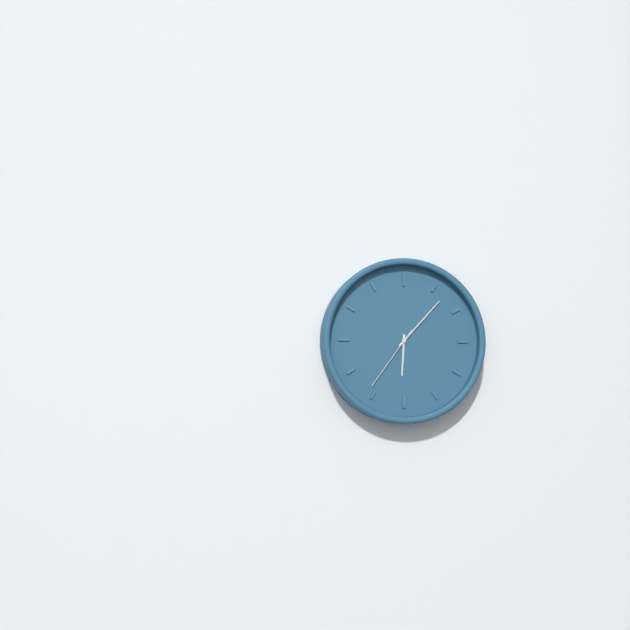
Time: 6h07m36s
